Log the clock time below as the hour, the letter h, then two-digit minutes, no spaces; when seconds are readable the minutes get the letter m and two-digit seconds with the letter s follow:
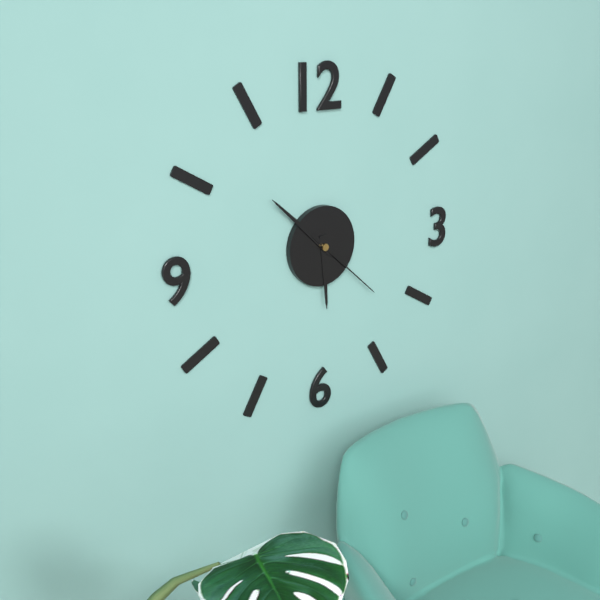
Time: 5h52m22s
